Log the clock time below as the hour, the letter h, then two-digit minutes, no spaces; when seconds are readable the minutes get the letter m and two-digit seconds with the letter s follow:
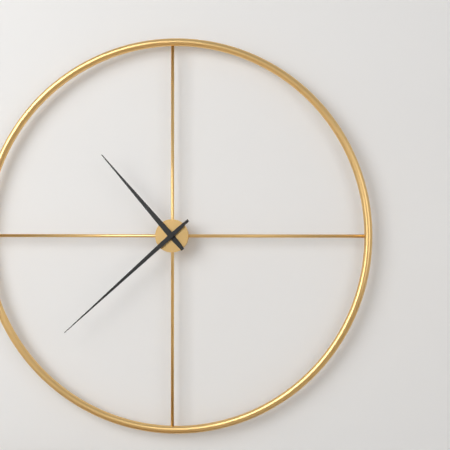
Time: 10h38
